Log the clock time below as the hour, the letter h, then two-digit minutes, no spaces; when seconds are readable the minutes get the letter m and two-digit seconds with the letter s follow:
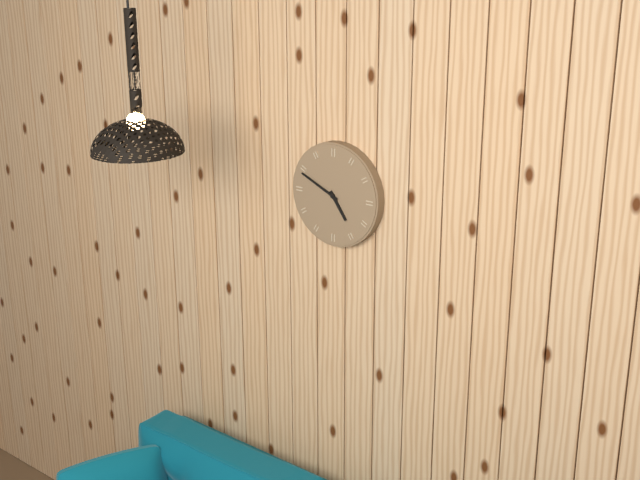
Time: 4h49
